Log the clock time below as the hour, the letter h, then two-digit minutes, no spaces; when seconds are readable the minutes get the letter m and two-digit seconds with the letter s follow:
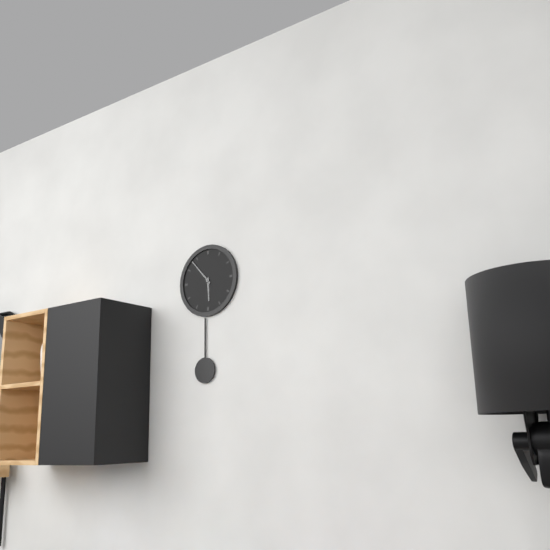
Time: 5h53
